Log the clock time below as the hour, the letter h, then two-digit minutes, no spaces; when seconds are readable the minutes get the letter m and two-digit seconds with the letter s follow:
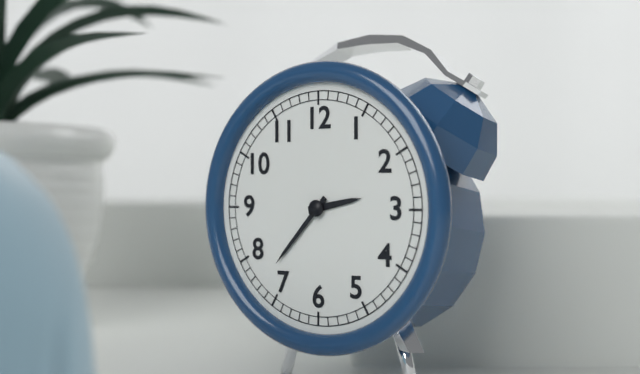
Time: 2h37
